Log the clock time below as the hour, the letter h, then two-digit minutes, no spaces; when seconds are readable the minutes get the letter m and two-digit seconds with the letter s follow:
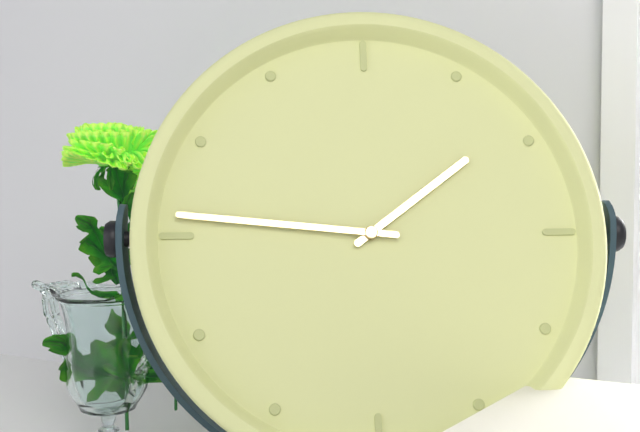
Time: 1h46
